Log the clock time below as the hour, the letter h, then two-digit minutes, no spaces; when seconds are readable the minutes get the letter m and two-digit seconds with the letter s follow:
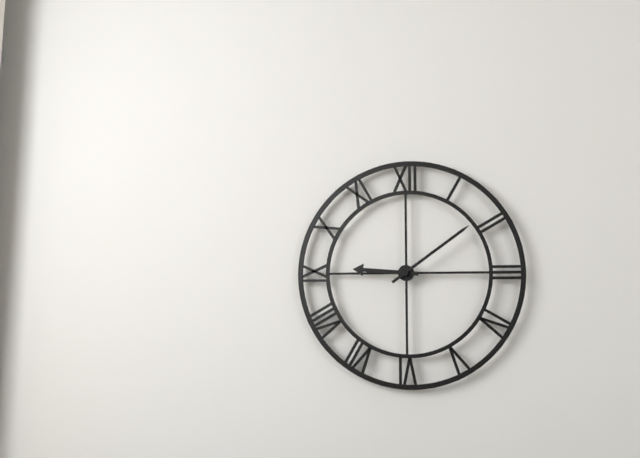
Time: 9h09
